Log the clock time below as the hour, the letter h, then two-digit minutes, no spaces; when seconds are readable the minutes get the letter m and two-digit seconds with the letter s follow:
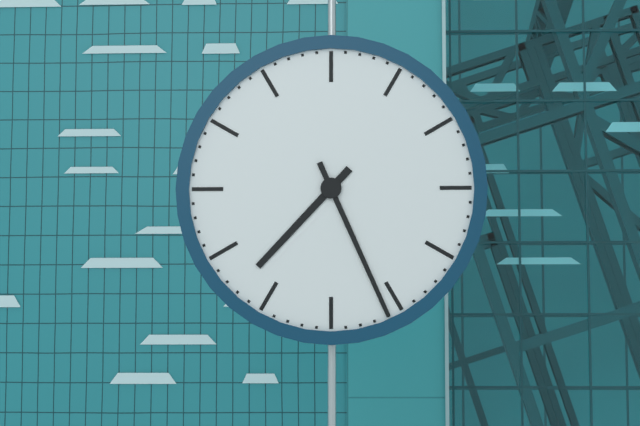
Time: 7h26
